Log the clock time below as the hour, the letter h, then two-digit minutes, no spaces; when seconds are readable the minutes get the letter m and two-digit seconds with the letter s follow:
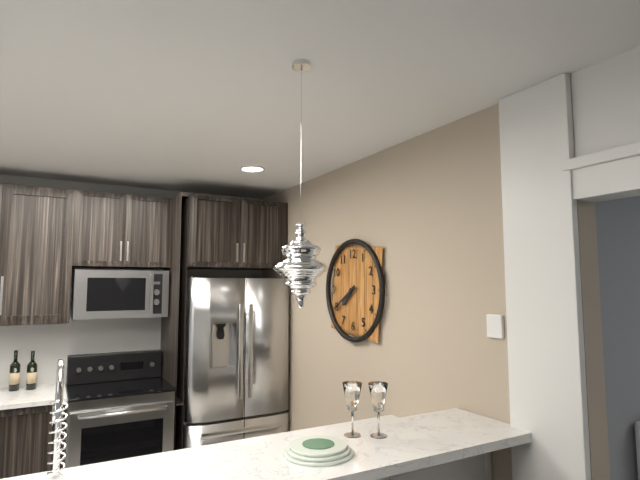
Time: 7h40
